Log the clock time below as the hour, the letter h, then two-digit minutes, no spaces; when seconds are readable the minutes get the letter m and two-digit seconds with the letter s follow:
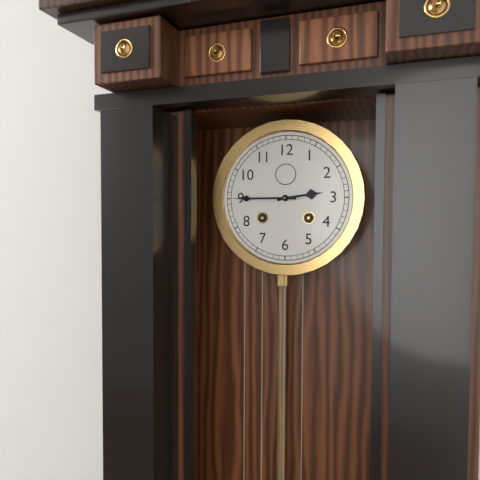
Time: 2h45
